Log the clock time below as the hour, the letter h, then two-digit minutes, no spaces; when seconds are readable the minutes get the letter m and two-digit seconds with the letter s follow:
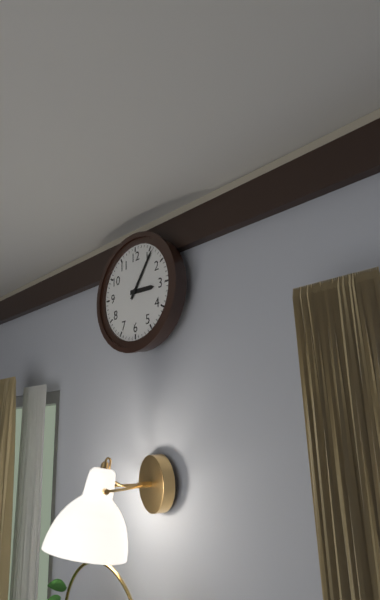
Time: 3h06
